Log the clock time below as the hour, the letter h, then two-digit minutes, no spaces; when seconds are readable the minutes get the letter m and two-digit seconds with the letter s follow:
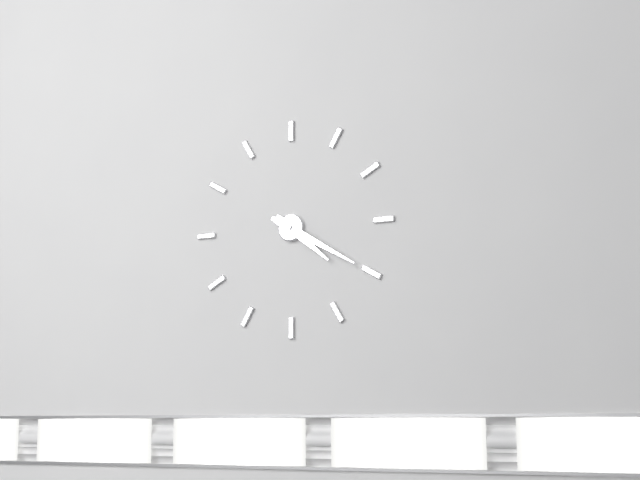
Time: 4h20
